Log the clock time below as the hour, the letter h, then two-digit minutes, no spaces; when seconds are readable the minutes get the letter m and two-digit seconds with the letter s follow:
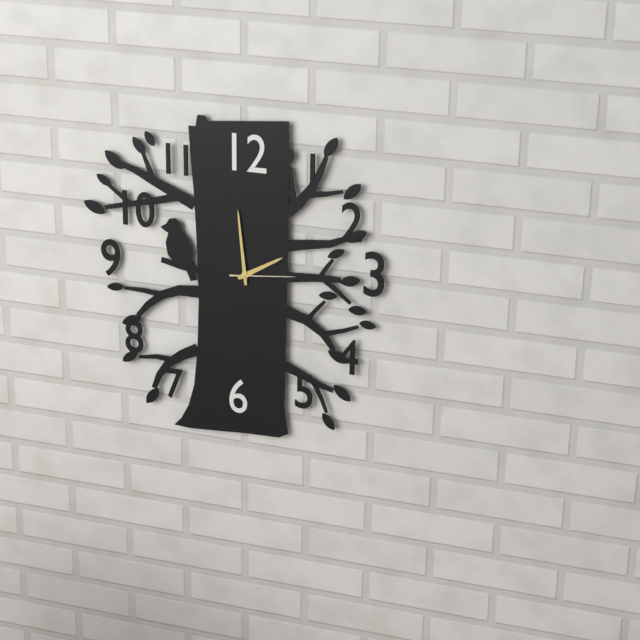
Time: 1h59m14s
